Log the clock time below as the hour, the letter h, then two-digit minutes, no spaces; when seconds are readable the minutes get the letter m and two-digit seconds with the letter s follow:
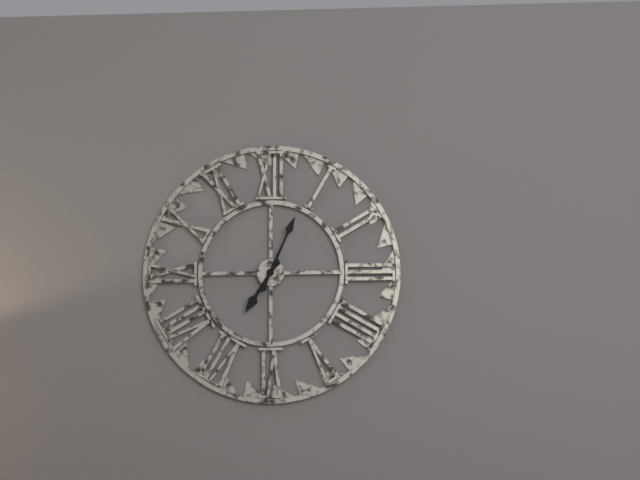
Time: 7h04
